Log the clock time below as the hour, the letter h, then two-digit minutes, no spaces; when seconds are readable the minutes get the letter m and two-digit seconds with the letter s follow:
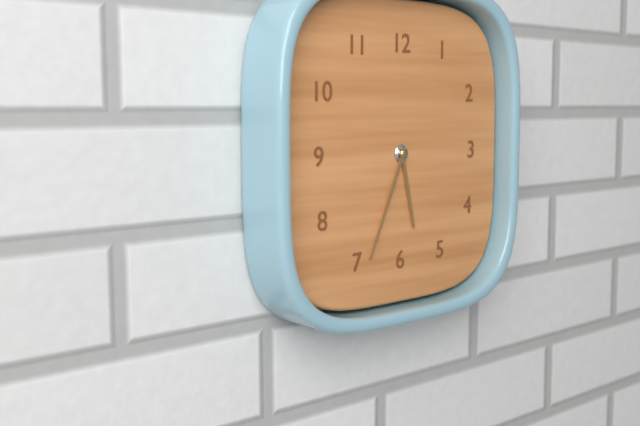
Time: 5h34
